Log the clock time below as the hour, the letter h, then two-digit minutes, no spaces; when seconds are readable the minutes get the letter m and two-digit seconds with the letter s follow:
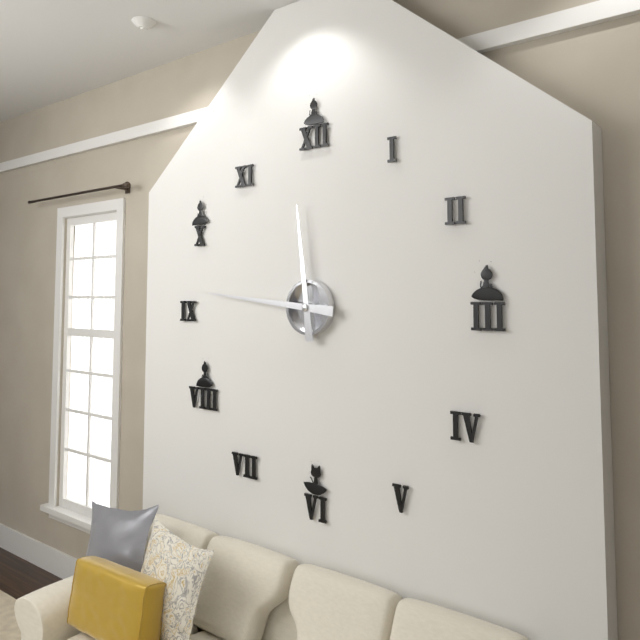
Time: 11h46
